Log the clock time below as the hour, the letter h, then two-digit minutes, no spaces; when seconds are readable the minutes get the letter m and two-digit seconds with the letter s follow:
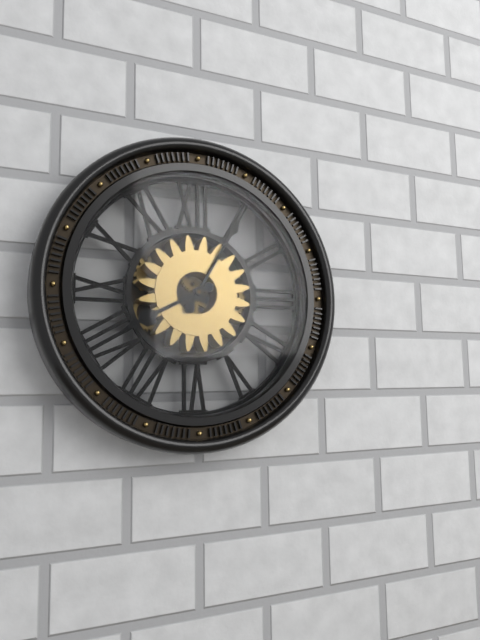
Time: 8h05
